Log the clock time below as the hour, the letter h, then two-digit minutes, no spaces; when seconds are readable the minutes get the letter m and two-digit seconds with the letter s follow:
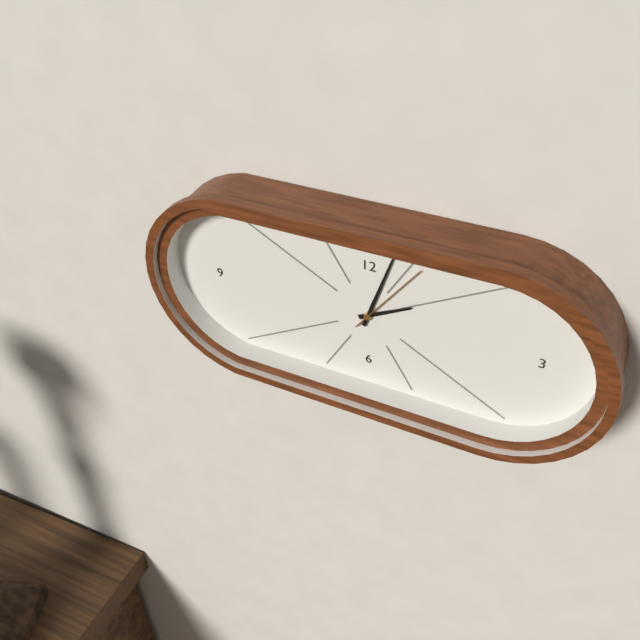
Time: 2h03m06s
